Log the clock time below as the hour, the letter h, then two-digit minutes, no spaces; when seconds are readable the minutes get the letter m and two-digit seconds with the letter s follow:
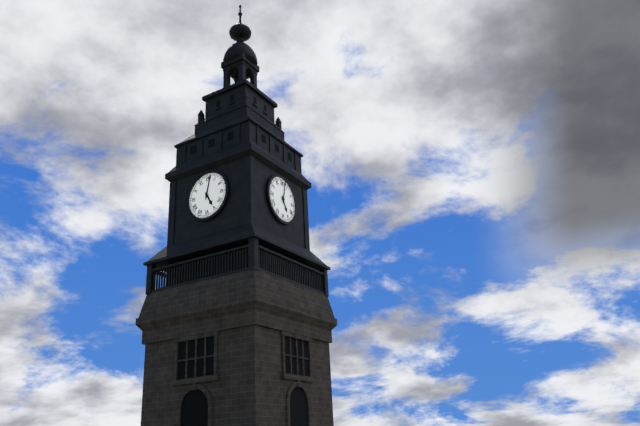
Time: 5h02
